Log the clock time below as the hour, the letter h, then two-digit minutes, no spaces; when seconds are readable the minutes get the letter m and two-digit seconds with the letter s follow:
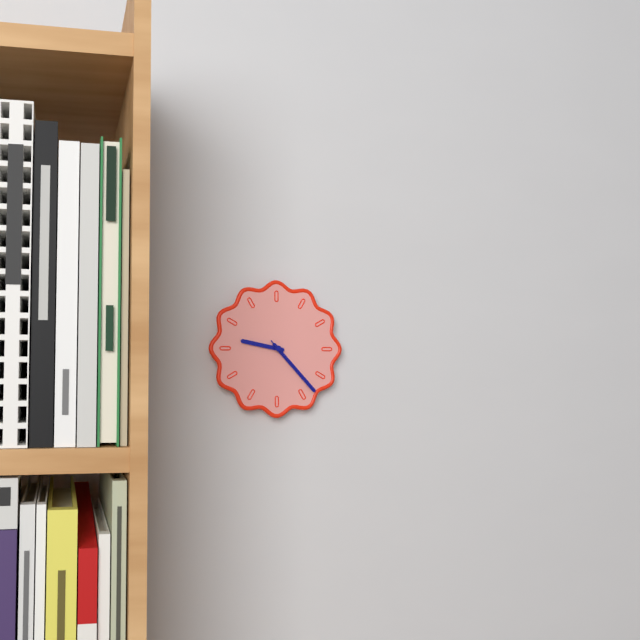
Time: 9h23m23s
